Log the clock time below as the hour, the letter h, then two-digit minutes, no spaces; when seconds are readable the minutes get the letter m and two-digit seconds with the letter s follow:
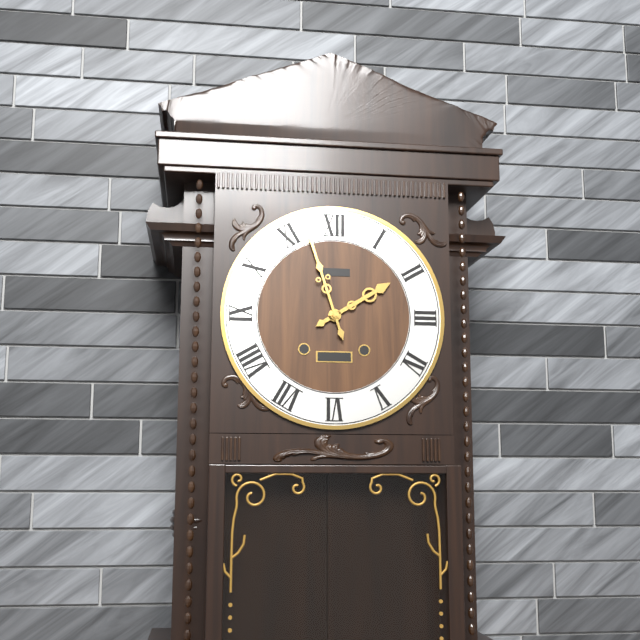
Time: 1h57
